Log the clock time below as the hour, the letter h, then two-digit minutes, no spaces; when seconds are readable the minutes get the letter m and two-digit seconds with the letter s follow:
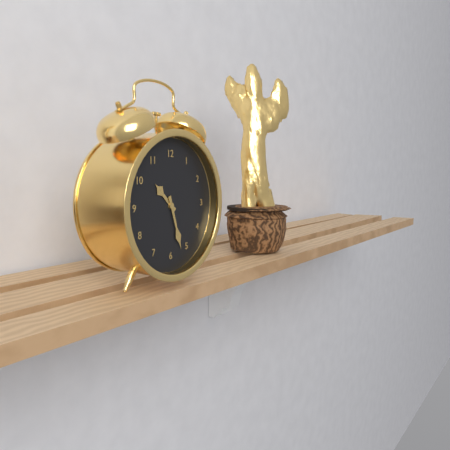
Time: 10h27
